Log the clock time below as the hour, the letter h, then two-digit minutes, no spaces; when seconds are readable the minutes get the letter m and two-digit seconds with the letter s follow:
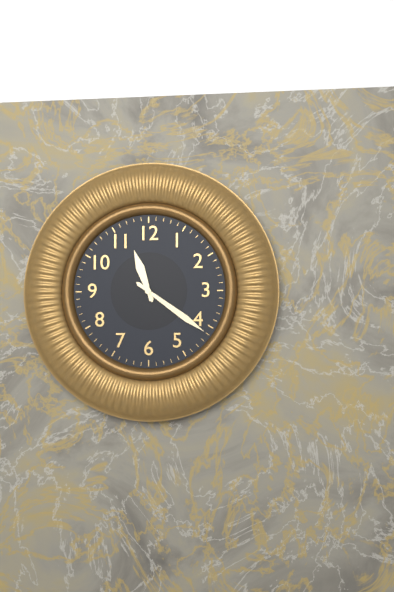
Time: 11h21
